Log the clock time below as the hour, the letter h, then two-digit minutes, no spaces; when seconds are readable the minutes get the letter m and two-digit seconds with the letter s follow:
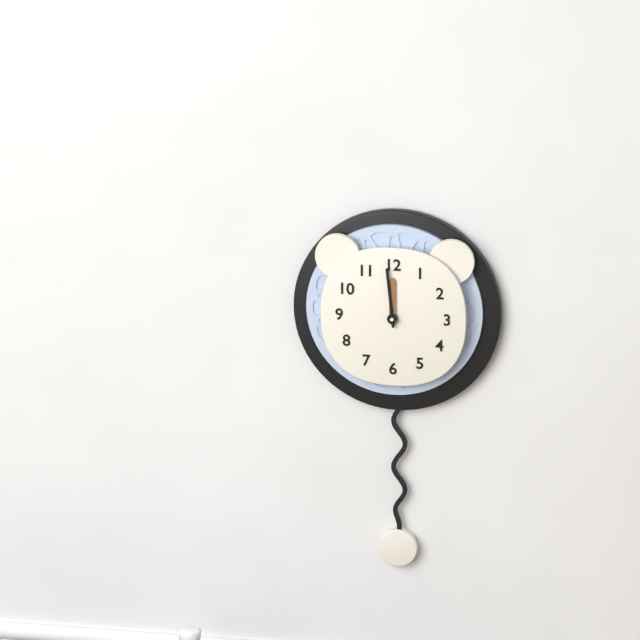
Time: 11h59
